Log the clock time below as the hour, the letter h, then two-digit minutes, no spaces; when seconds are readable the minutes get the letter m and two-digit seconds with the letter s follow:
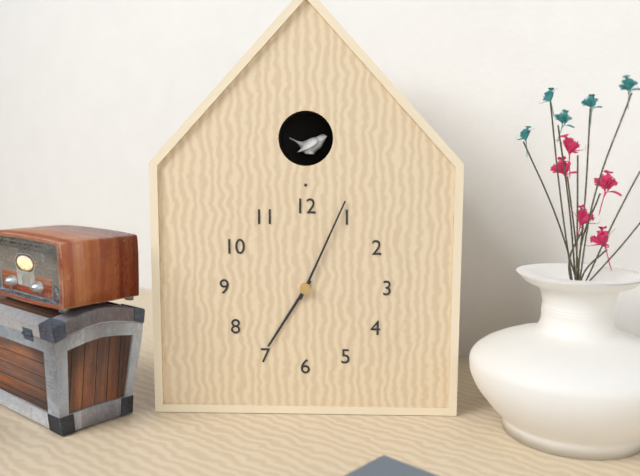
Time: 7h04
